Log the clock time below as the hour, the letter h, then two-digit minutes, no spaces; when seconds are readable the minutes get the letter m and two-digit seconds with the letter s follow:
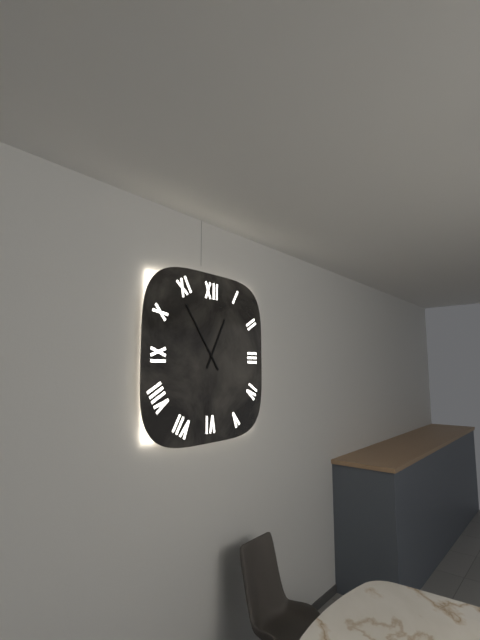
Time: 12h54
